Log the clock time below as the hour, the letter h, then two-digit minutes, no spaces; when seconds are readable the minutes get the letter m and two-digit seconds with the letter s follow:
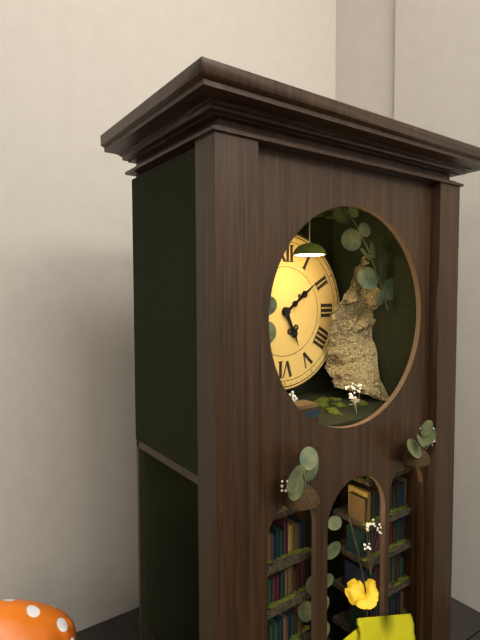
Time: 5h09
